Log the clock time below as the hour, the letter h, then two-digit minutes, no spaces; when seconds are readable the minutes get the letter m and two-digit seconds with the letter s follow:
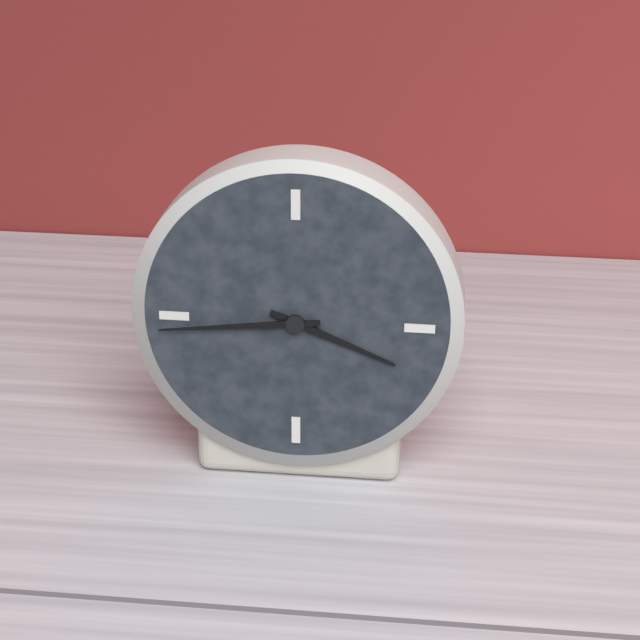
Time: 3h44
